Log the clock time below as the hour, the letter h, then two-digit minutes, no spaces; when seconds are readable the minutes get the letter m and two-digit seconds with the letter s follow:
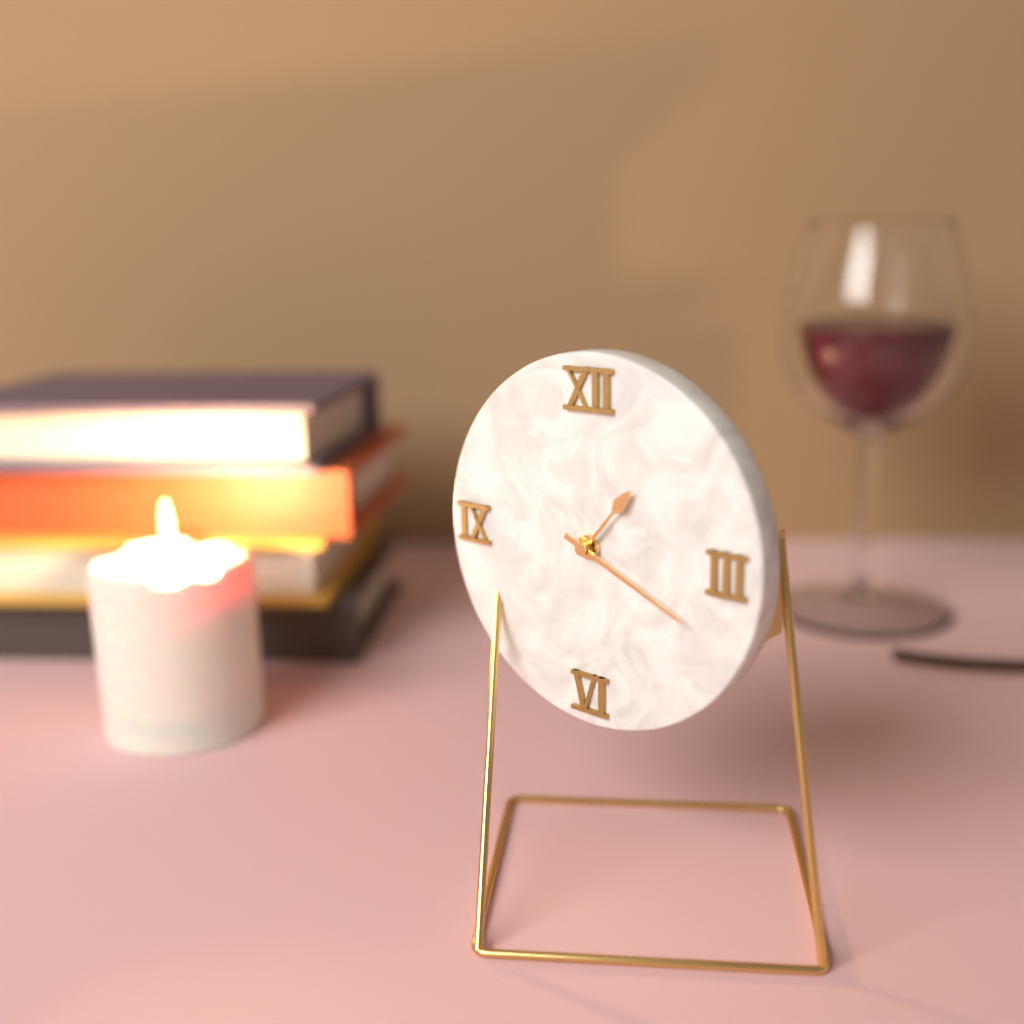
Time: 1h19
